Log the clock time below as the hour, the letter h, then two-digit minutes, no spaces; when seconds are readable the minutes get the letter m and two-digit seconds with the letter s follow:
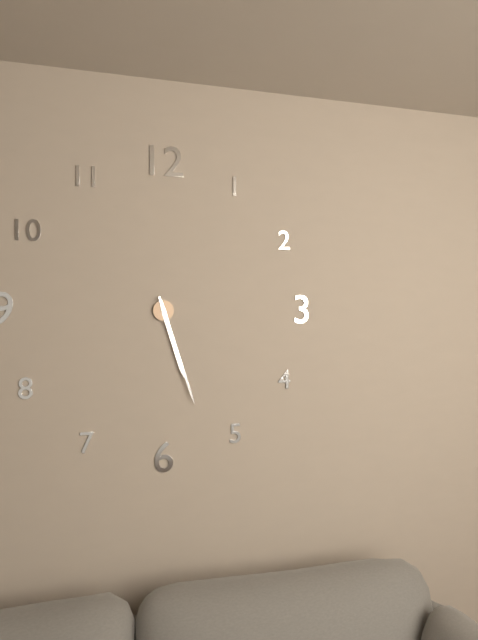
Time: 5h27
